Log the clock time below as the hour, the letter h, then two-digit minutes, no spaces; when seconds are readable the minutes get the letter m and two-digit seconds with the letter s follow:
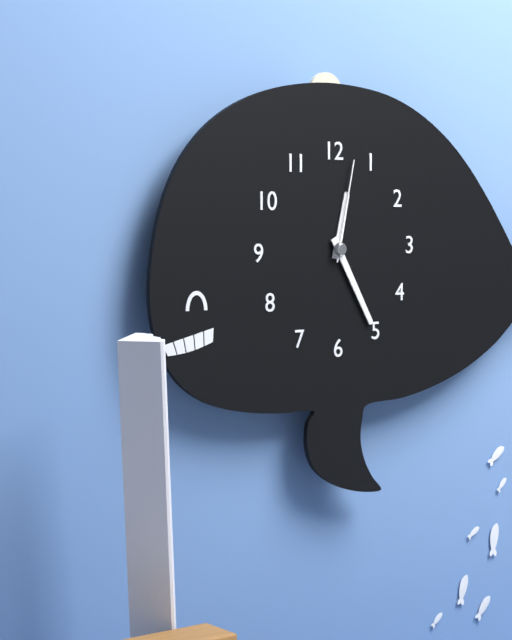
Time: 12h25m02s
